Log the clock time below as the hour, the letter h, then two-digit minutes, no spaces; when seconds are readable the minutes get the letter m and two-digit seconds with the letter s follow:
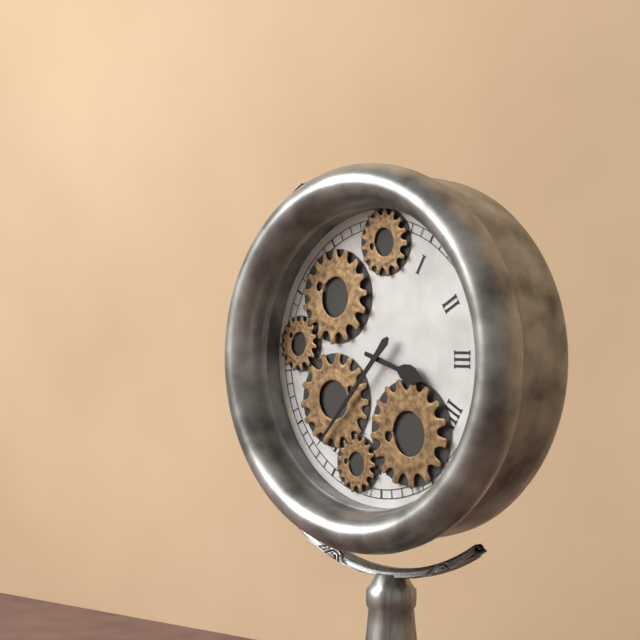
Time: 3h37
